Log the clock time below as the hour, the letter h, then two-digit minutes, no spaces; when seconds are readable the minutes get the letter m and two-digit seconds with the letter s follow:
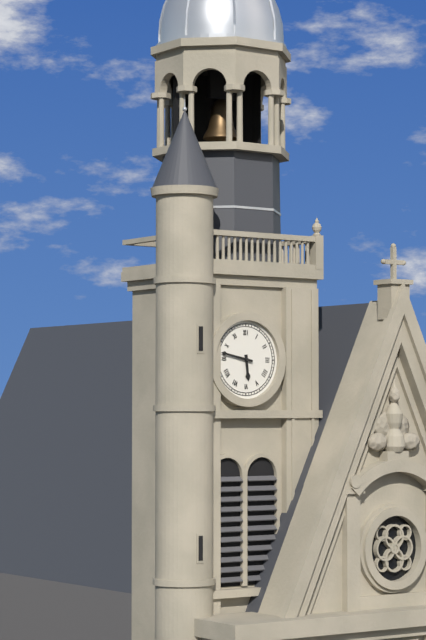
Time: 5h47
